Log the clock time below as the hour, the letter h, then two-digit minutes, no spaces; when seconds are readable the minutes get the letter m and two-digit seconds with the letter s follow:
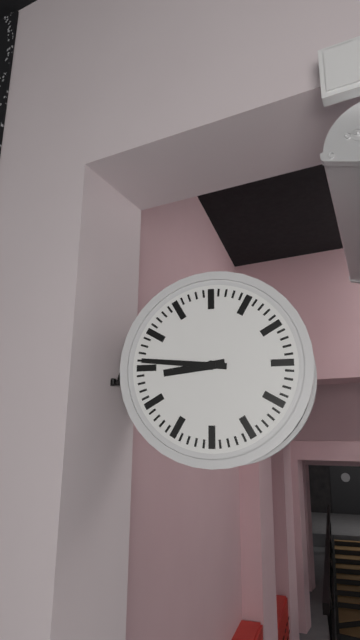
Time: 8h46
